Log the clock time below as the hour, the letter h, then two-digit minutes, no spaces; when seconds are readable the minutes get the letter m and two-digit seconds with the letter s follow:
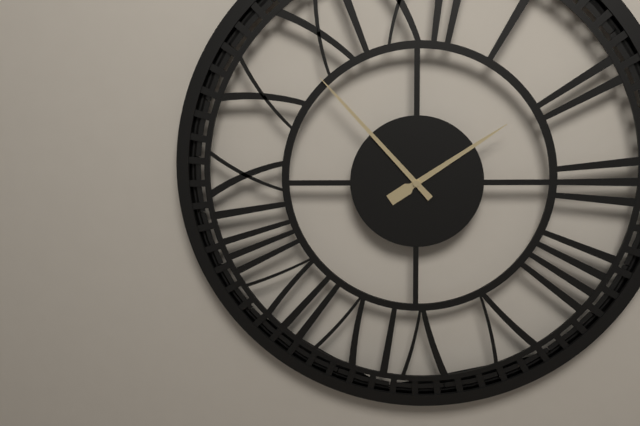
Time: 1h53
